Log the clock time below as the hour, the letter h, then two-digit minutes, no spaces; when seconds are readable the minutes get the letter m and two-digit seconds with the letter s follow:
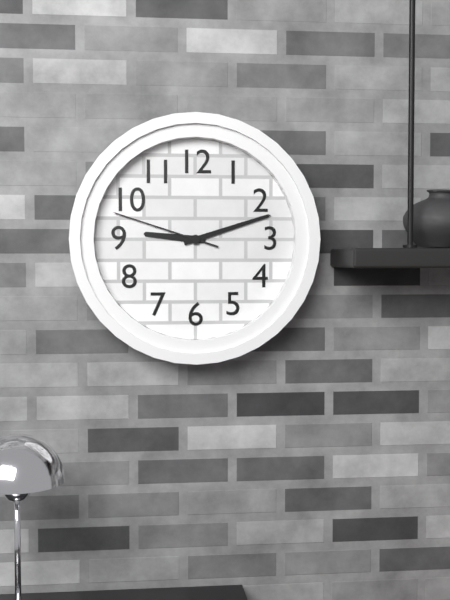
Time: 9h12m48s
